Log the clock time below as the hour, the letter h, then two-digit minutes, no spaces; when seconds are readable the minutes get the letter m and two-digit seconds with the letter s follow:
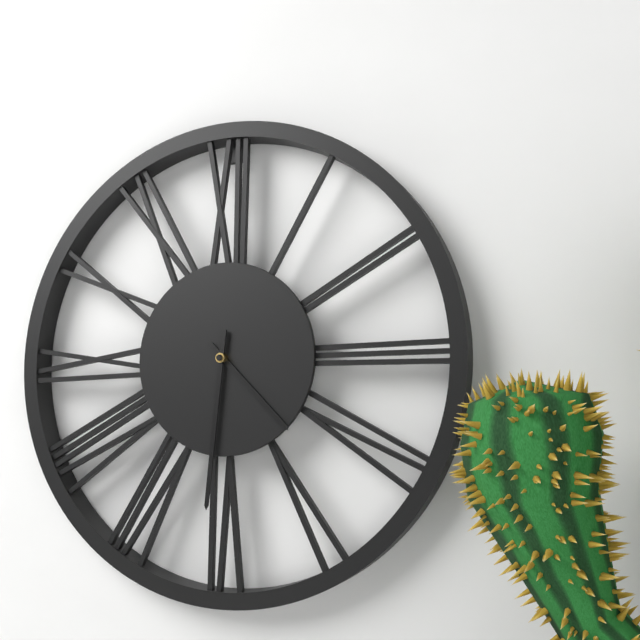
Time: 4h31
